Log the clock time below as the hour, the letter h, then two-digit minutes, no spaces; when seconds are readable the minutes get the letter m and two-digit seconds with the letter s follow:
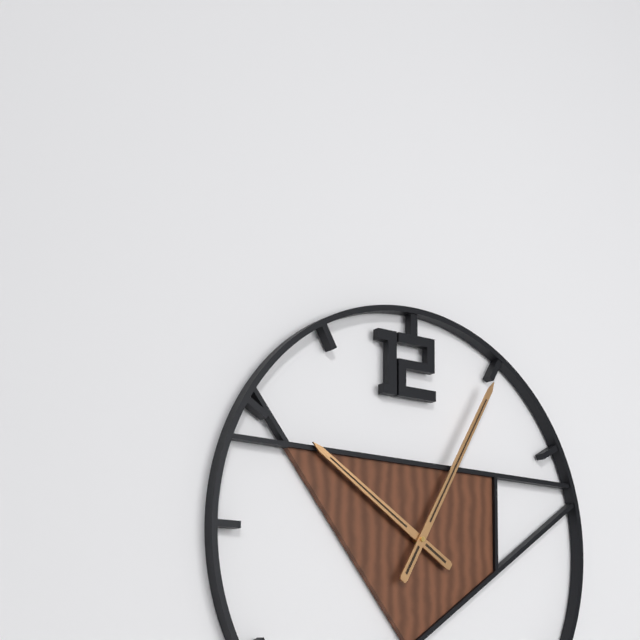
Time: 10h05
